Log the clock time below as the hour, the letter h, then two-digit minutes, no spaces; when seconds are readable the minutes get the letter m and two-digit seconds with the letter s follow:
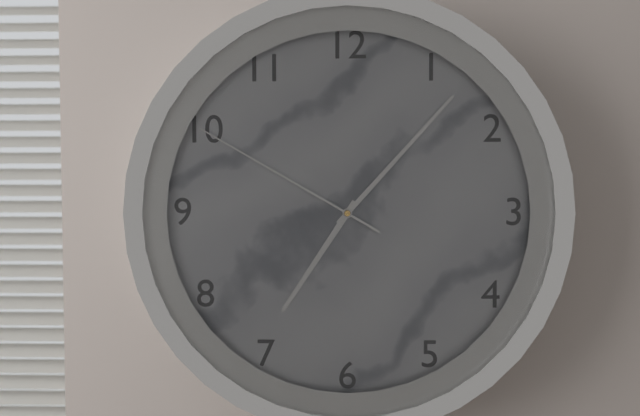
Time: 7h07m50s
